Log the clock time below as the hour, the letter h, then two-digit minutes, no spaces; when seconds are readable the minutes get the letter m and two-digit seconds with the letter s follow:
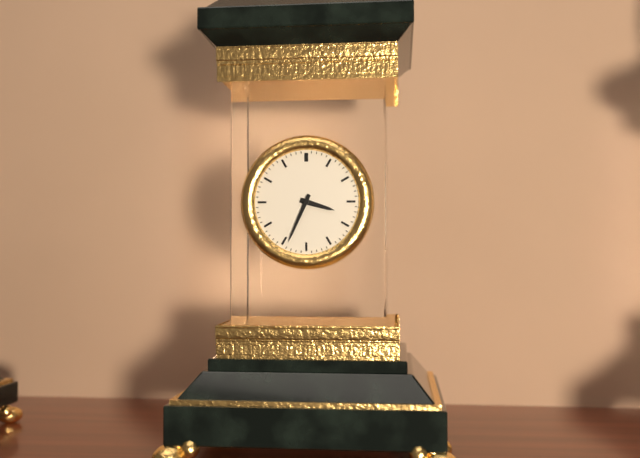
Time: 3h34
